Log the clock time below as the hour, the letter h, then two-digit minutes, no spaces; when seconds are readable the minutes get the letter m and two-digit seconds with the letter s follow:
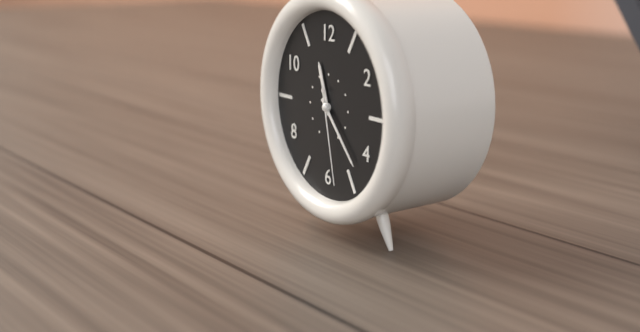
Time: 11h23m28s
